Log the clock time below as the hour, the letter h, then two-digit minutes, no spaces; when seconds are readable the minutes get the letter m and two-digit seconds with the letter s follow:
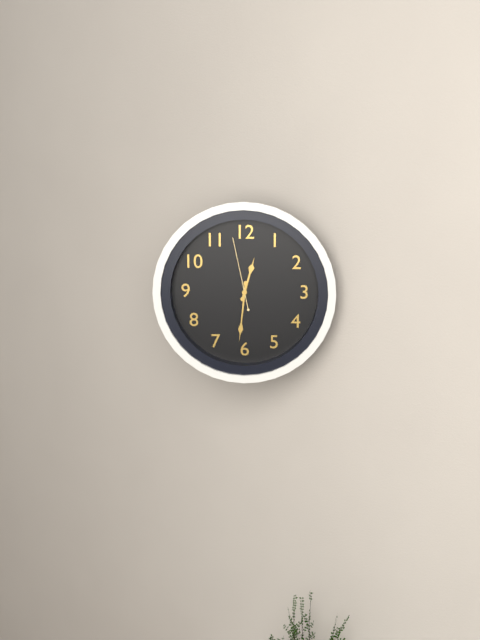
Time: 12h31m58s
